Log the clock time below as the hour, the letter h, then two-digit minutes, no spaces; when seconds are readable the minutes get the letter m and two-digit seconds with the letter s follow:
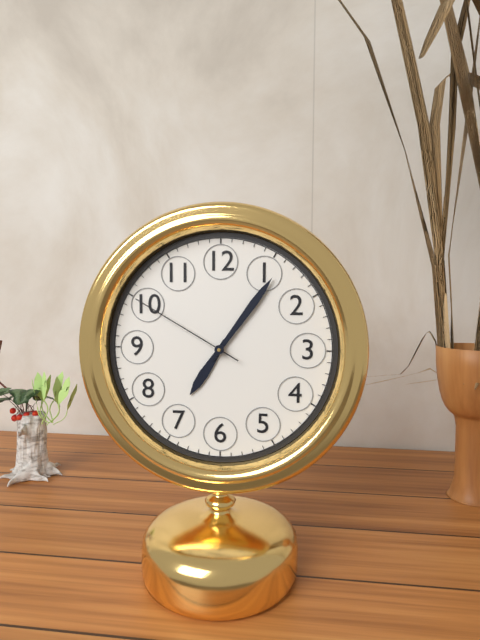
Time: 7h06m50s
